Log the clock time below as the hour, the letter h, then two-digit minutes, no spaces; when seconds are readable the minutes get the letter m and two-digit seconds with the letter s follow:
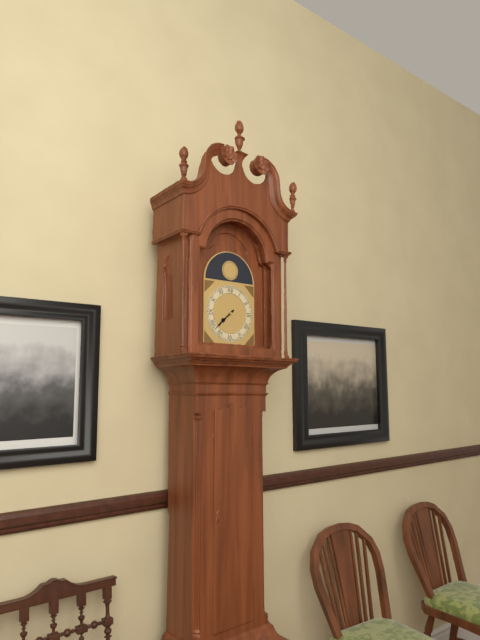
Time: 7h38
